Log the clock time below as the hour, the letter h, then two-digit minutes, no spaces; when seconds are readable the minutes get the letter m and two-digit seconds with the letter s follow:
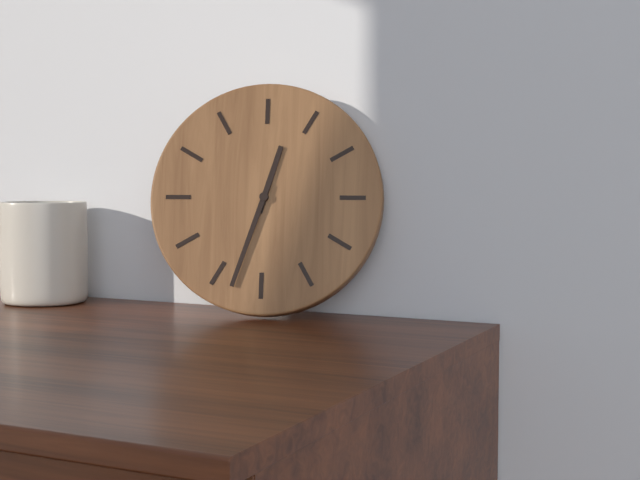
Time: 12h33
